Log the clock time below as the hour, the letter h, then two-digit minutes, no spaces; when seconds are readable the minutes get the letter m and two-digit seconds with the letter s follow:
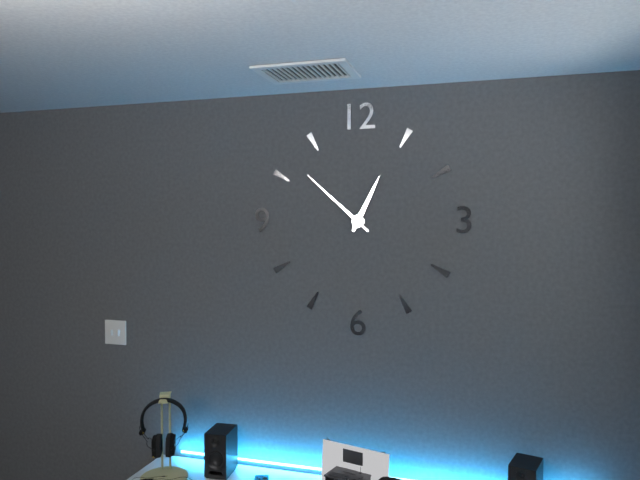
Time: 12h52
